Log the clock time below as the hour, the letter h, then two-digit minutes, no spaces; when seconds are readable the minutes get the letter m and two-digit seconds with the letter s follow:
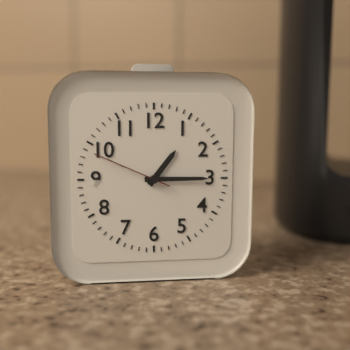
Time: 1h15m49s
